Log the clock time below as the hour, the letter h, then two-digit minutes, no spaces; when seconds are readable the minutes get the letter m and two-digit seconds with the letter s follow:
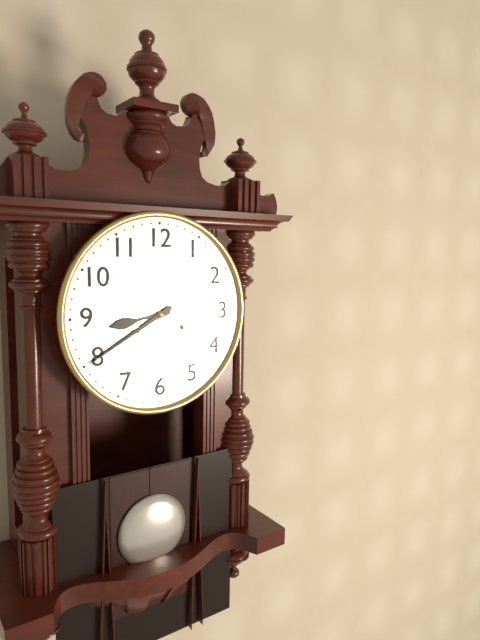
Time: 8h40
